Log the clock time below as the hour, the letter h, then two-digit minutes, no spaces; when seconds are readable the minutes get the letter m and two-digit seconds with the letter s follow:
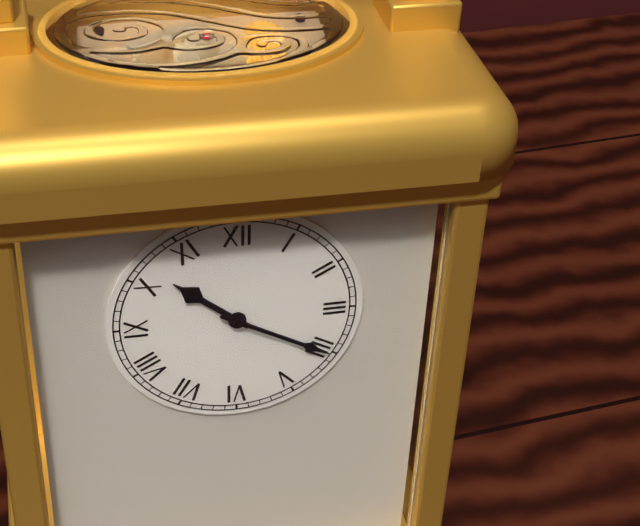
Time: 10h20
